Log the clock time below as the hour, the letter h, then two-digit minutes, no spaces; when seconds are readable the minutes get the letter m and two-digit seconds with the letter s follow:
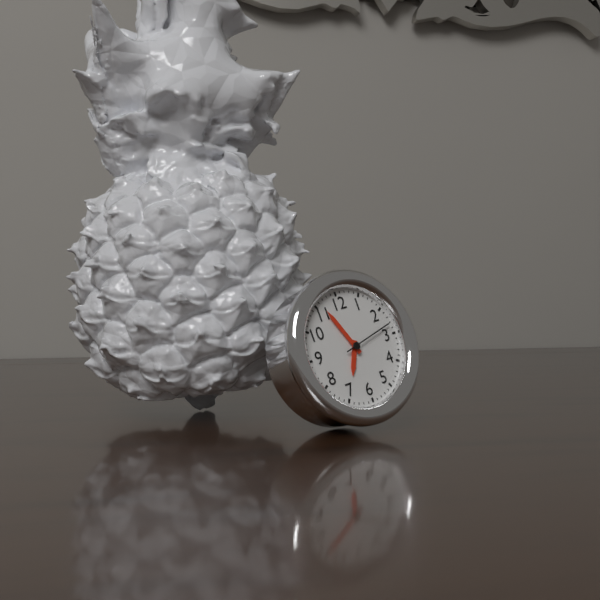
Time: 6h56m13s
